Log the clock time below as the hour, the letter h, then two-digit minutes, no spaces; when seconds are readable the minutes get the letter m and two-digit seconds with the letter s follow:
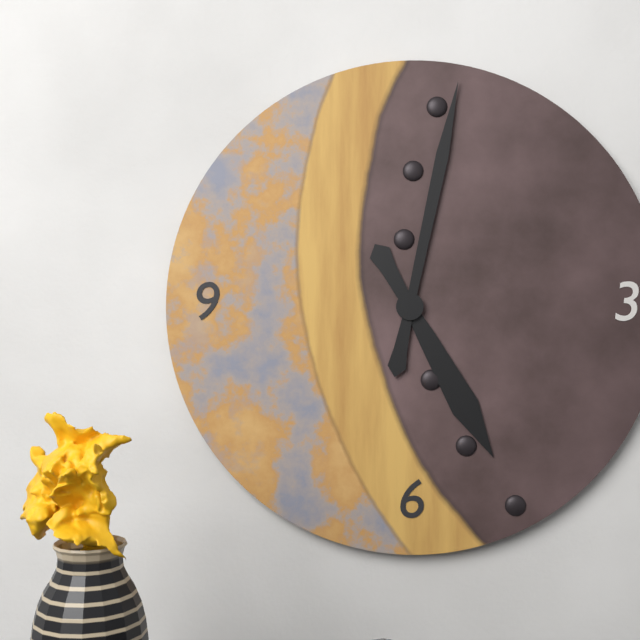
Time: 5h02
